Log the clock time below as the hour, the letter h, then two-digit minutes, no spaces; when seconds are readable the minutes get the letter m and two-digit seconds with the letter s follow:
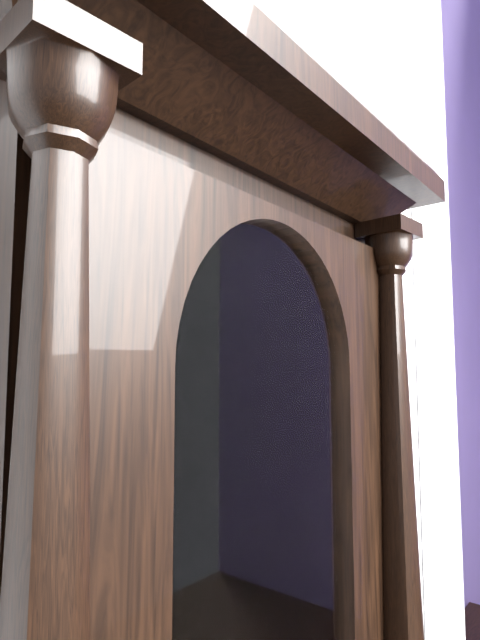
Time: 10h41
